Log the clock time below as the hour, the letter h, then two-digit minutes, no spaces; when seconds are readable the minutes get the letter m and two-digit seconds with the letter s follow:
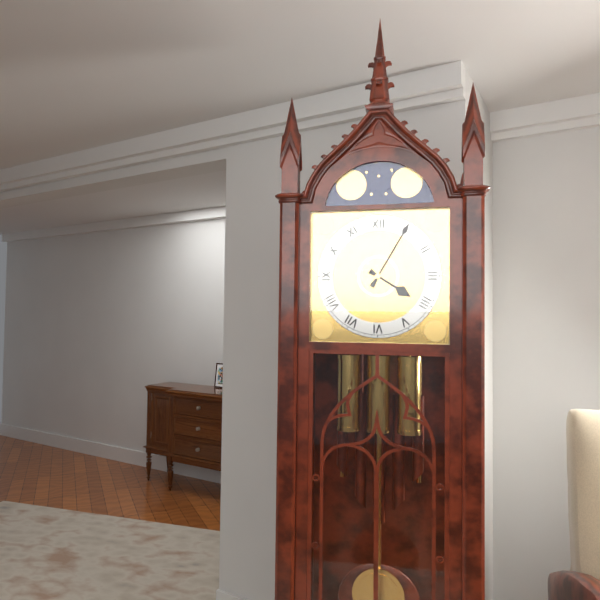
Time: 4h05
